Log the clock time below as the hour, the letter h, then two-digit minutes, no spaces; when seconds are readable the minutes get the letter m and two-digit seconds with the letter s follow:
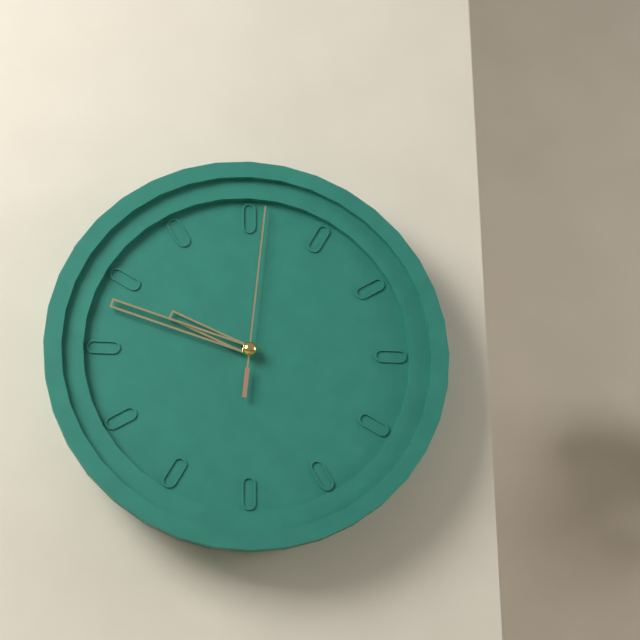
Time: 9h48m01s
